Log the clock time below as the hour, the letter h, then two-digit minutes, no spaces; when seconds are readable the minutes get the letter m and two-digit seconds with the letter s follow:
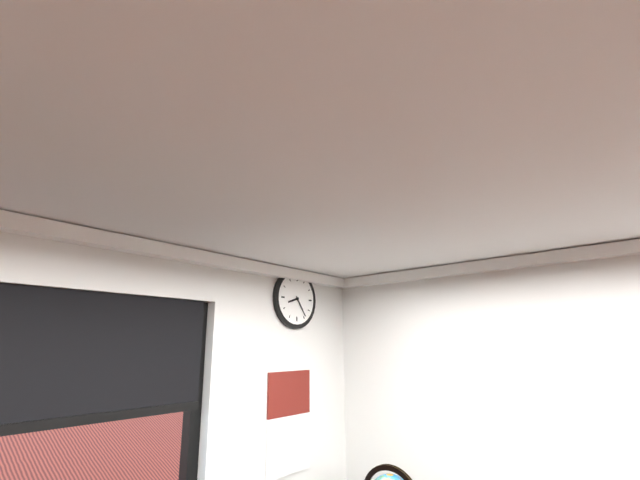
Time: 8h24
